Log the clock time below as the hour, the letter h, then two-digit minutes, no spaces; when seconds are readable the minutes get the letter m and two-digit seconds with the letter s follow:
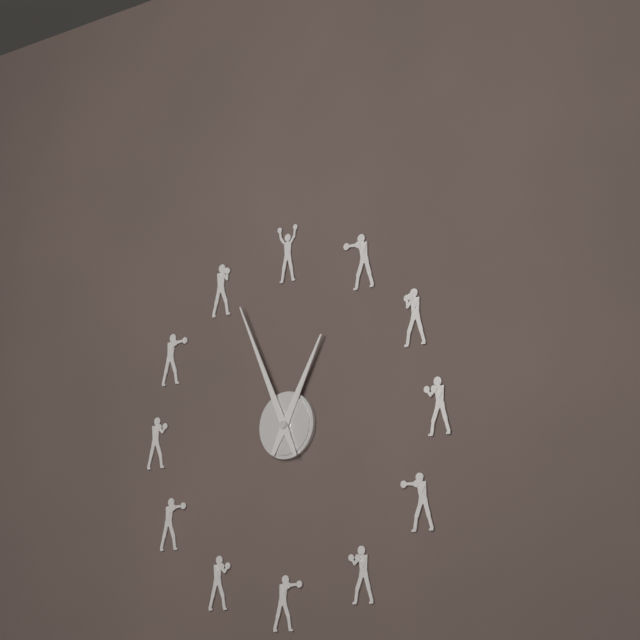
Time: 12h56
